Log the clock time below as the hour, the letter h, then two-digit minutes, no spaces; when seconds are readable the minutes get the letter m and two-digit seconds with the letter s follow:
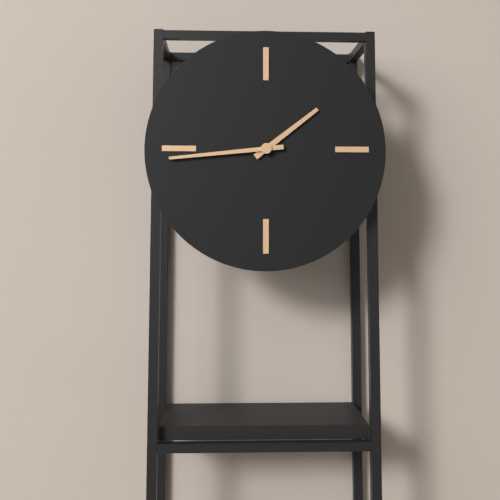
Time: 1h44
